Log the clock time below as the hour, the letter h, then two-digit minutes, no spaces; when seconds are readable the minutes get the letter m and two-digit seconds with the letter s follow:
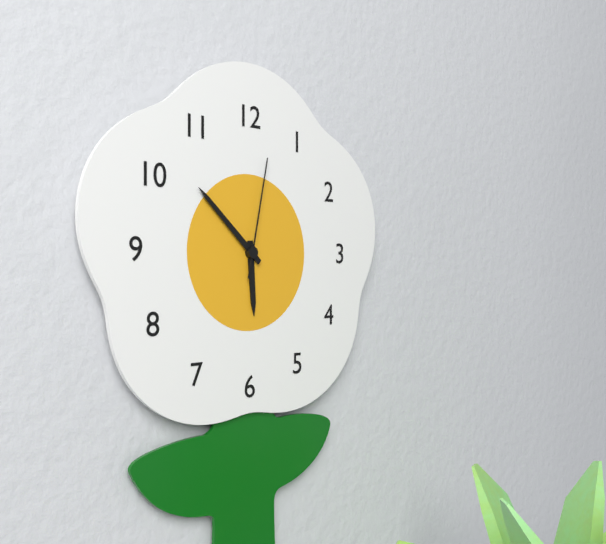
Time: 5h52m02s
